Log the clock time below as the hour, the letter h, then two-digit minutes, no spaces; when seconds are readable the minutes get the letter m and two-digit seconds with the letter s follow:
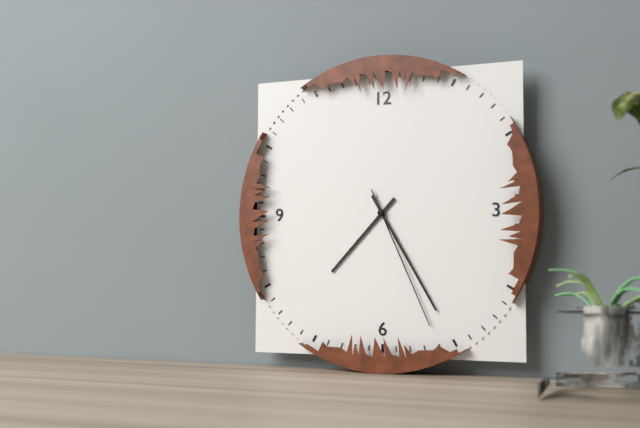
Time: 7h25m26s
